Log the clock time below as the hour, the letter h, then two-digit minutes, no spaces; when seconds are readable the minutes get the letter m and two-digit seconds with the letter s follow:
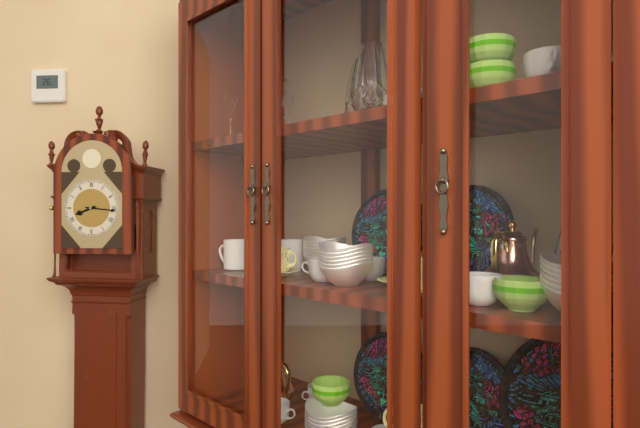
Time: 8h16
